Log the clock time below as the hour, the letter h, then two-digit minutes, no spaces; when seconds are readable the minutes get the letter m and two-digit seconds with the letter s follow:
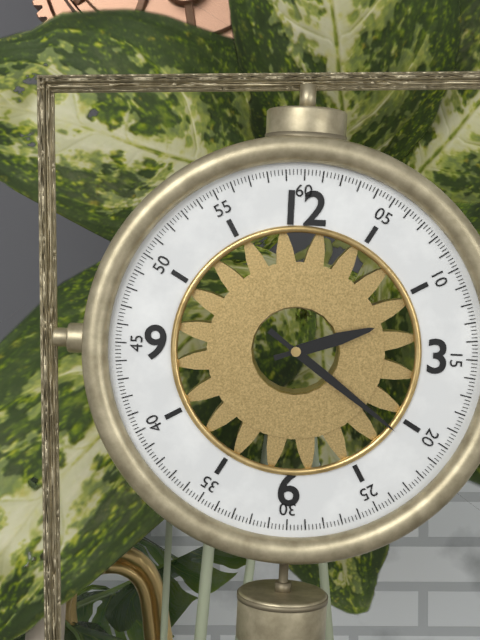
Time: 2h21
